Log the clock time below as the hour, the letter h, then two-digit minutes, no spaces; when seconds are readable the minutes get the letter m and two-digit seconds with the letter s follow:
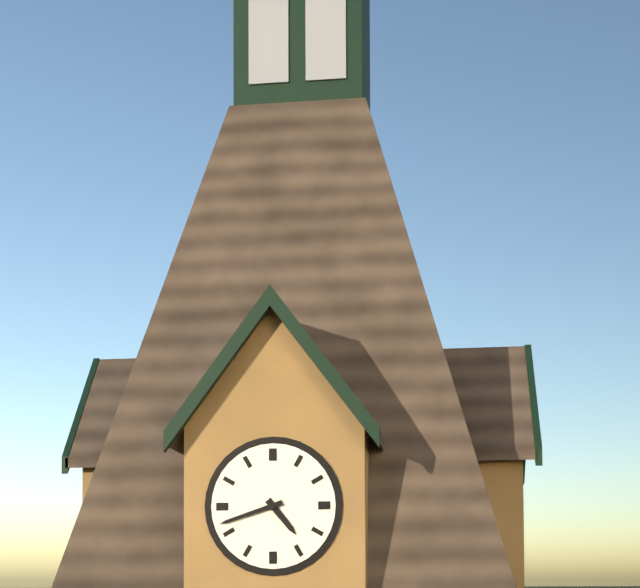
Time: 4h42
